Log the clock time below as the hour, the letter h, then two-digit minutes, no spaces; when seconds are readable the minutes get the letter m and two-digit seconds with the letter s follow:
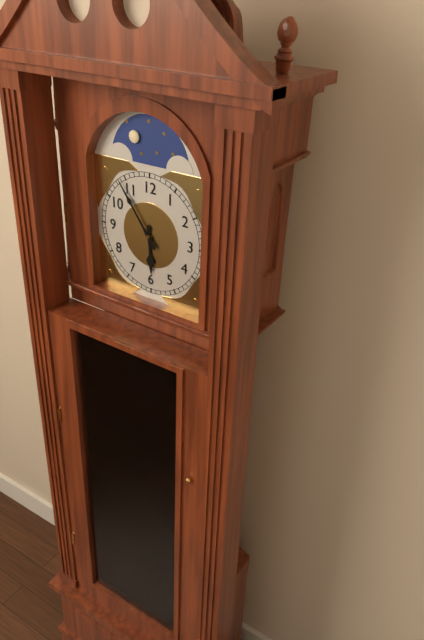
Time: 5h54
